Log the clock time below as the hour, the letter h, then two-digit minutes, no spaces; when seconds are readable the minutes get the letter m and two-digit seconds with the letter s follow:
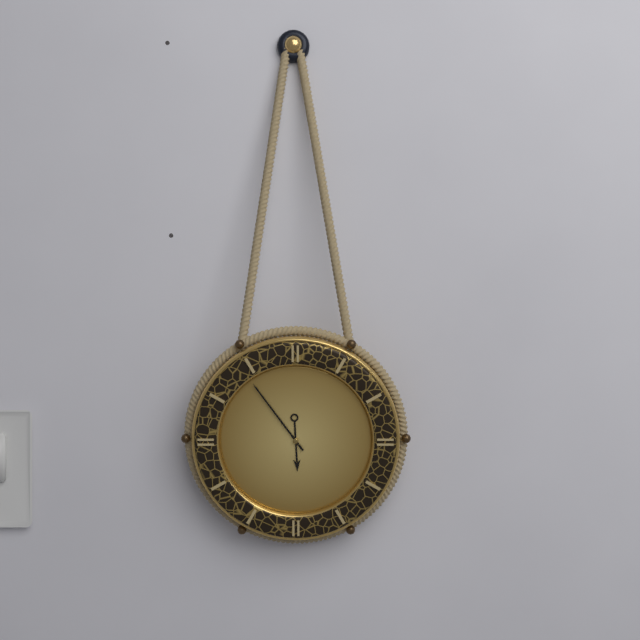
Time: 5h54
